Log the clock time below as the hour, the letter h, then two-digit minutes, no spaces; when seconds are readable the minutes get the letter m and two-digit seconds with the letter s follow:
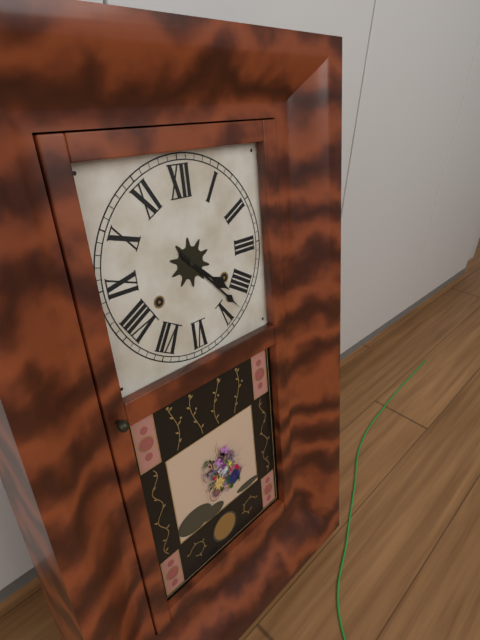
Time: 4h23
